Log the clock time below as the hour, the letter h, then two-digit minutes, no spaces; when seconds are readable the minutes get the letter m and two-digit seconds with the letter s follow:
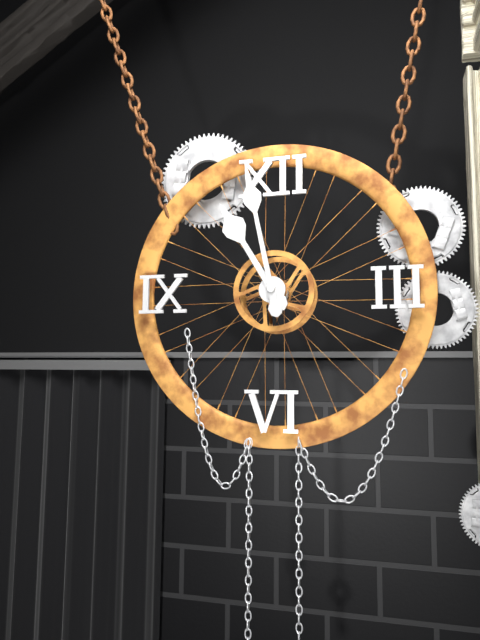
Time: 10h58
